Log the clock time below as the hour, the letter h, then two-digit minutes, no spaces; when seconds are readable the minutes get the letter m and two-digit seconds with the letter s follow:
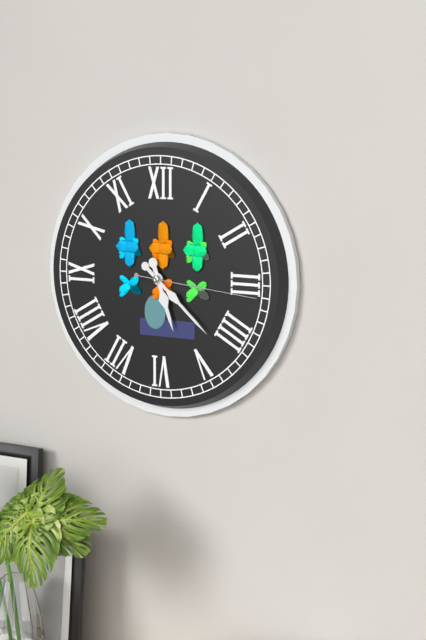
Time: 5h22m16s
